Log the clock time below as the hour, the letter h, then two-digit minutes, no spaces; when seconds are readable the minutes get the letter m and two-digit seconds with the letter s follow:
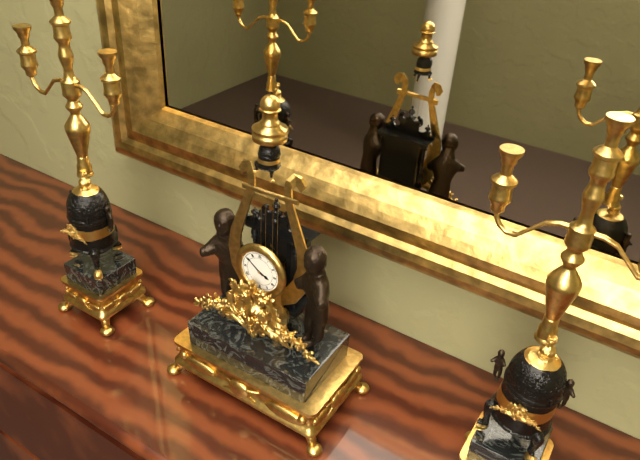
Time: 3h51
